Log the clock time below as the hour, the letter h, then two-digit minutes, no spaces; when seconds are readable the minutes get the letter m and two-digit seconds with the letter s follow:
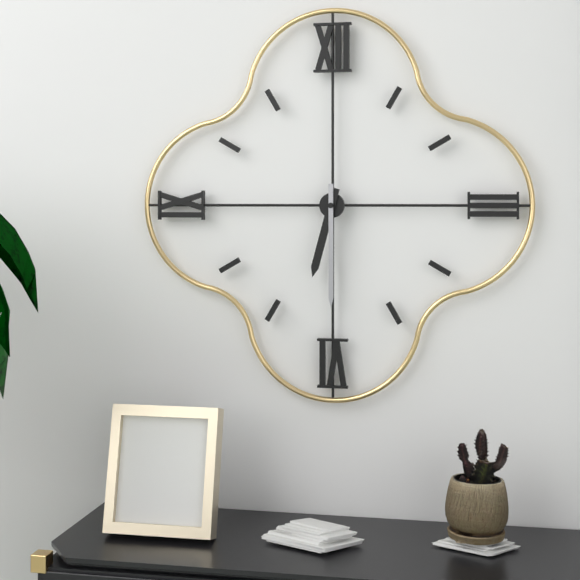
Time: 6h30
